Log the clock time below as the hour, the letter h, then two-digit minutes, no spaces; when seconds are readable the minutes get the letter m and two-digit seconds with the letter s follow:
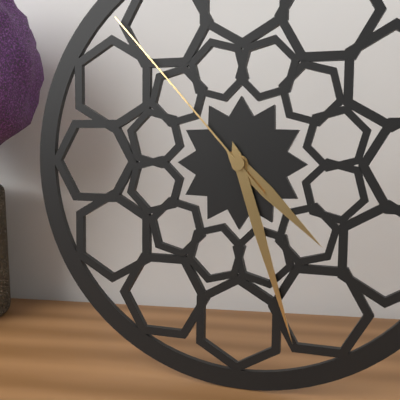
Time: 4h27m53s
